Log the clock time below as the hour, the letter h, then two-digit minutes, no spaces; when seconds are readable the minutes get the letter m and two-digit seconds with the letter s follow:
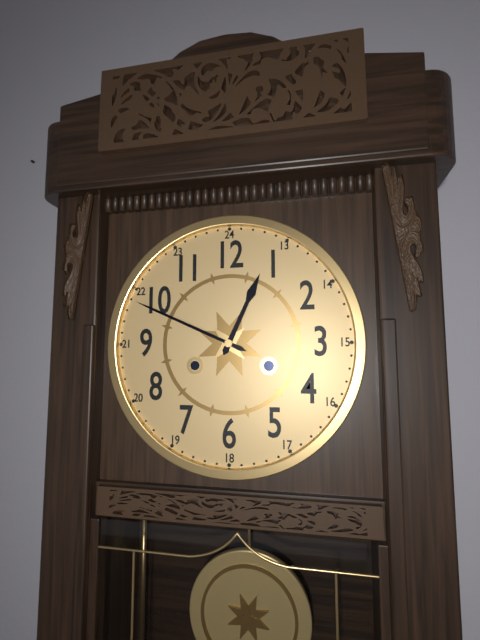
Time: 12h49
